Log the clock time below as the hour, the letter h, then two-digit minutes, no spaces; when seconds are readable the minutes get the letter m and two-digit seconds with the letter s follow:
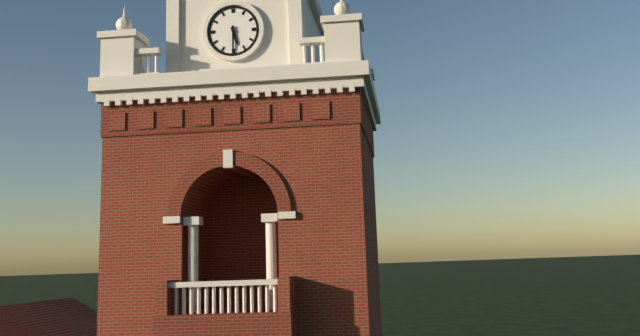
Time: 5h30
